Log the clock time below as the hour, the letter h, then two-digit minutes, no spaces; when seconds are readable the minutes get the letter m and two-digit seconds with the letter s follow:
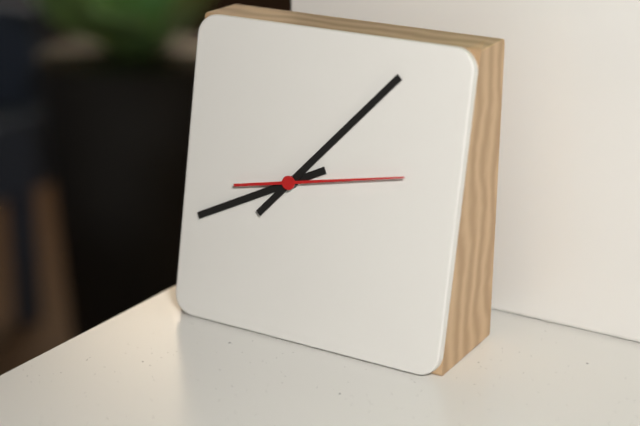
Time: 8h07m13s
